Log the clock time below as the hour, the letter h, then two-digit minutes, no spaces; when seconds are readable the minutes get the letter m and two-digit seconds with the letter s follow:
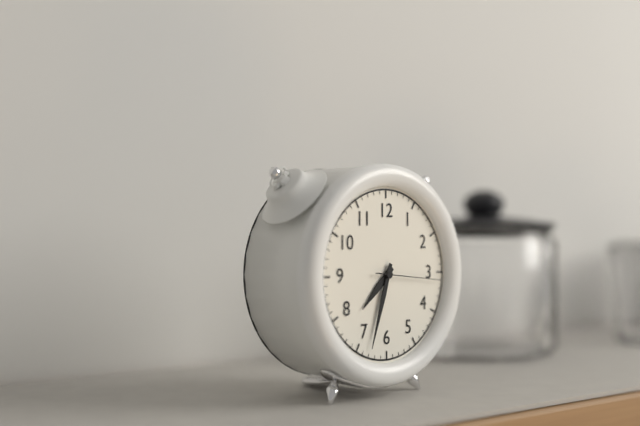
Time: 7h33m16s
